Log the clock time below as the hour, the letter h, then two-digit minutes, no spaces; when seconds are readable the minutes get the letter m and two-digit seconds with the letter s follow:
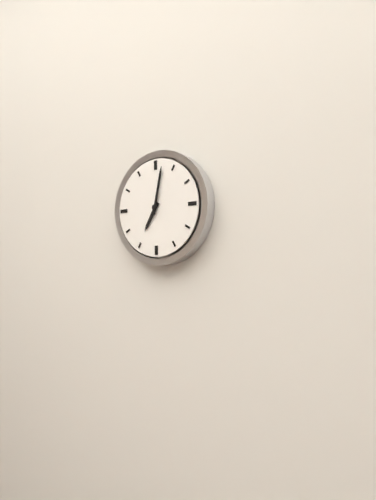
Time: 7h02
